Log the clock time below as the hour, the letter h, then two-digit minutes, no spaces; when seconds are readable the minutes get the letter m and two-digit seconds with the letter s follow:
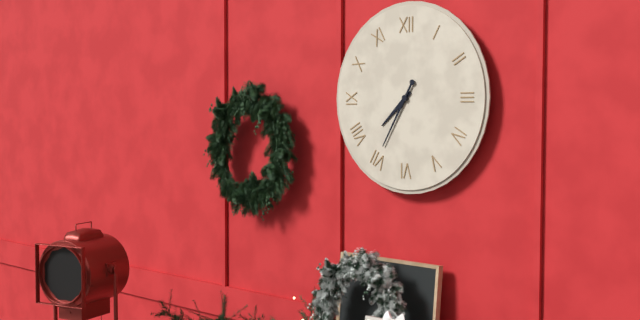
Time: 7h35
